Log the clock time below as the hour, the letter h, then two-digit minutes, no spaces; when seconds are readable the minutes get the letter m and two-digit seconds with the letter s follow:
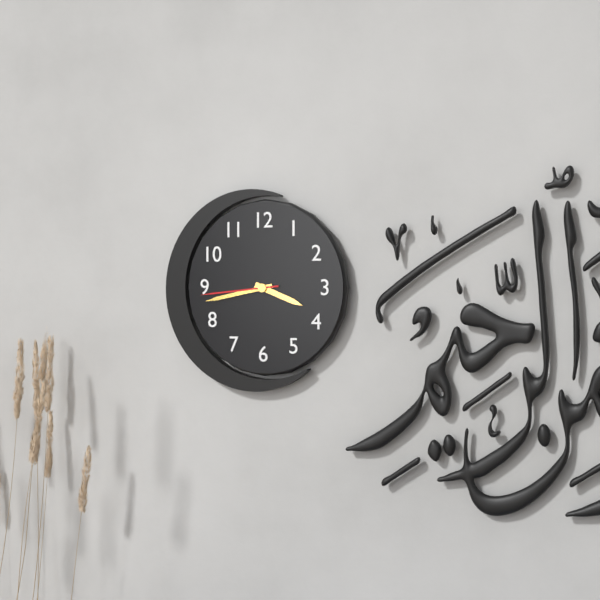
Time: 3h43m44s
